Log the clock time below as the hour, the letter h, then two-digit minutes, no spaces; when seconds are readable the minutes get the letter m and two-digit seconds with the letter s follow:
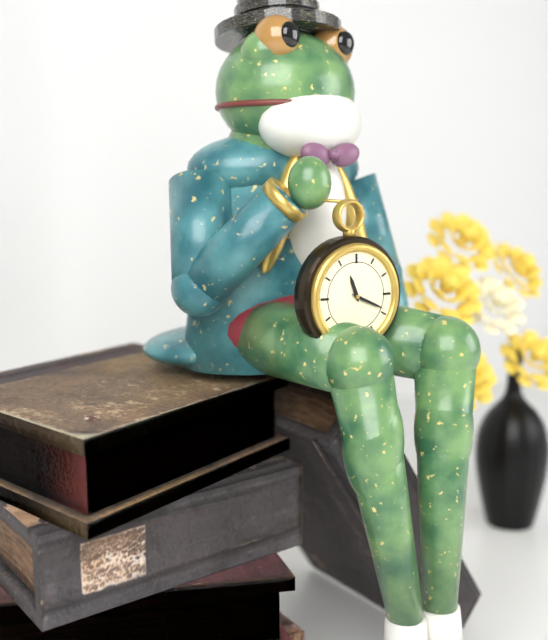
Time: 11h19
